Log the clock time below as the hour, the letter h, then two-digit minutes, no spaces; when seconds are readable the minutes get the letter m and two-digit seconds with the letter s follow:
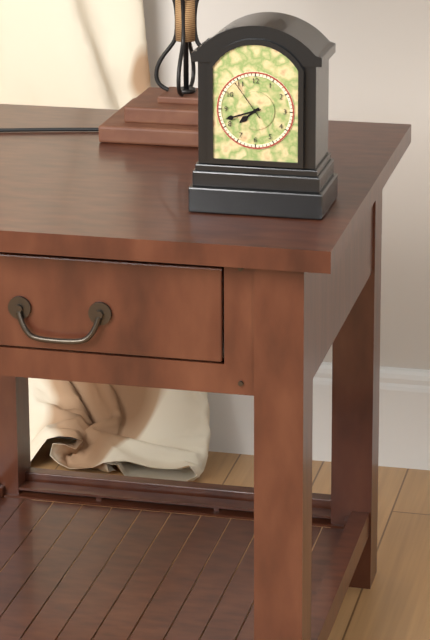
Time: 7h42
